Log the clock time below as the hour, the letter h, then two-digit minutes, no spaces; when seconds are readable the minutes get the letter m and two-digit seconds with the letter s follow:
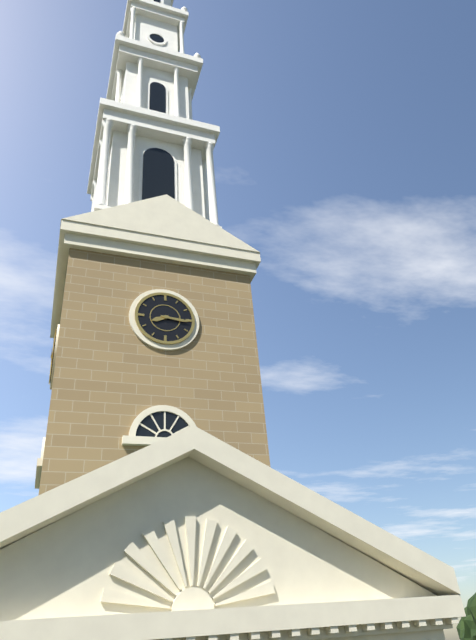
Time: 8h16
